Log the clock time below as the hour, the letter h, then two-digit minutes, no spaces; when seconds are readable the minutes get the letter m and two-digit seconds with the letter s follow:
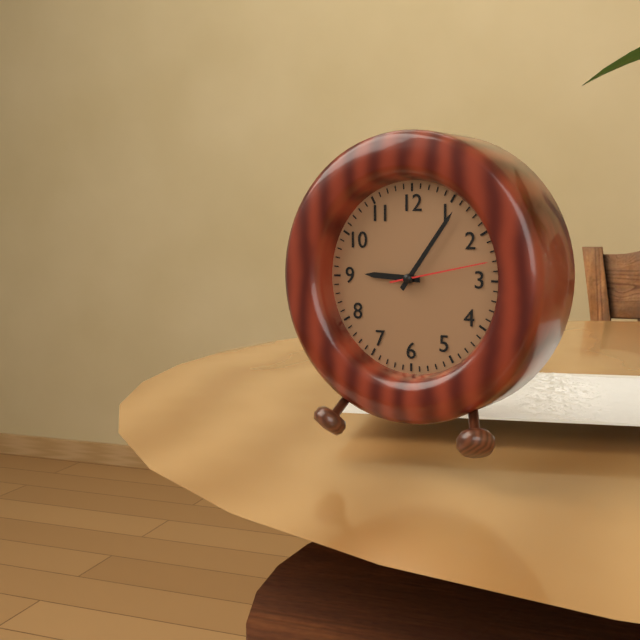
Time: 9h06m13s
